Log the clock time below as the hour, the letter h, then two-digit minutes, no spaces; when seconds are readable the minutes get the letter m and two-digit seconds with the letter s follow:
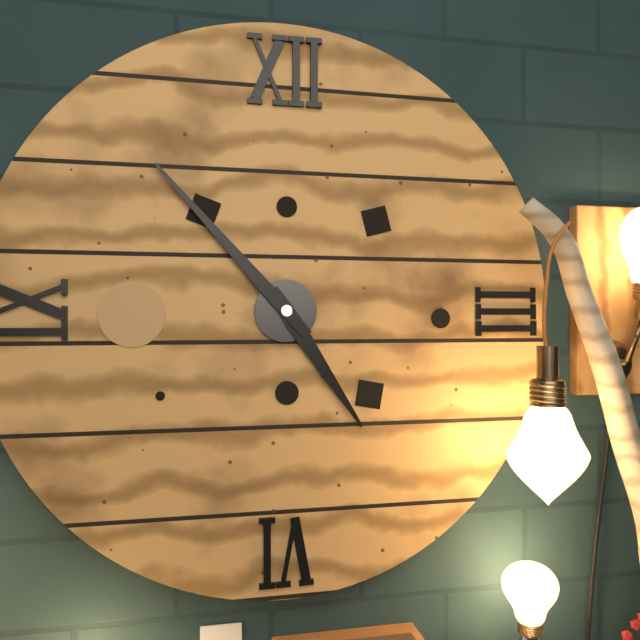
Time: 4h53
